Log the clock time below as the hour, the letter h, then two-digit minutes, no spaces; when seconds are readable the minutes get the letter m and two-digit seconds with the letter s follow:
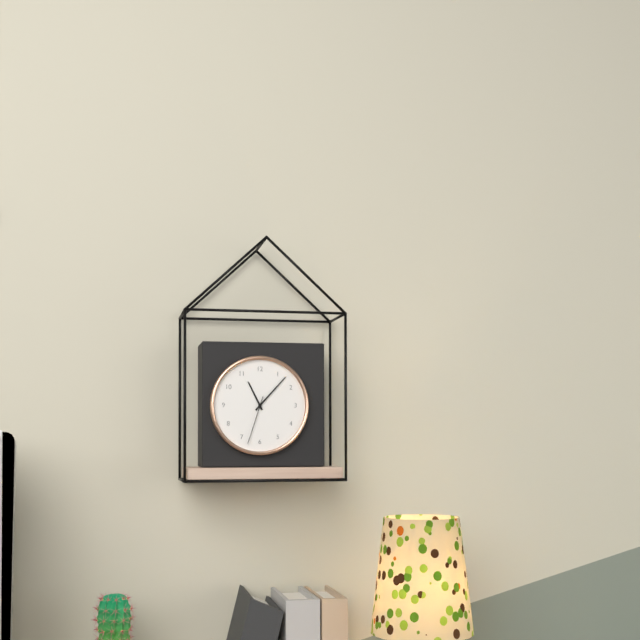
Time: 11h07m33s
